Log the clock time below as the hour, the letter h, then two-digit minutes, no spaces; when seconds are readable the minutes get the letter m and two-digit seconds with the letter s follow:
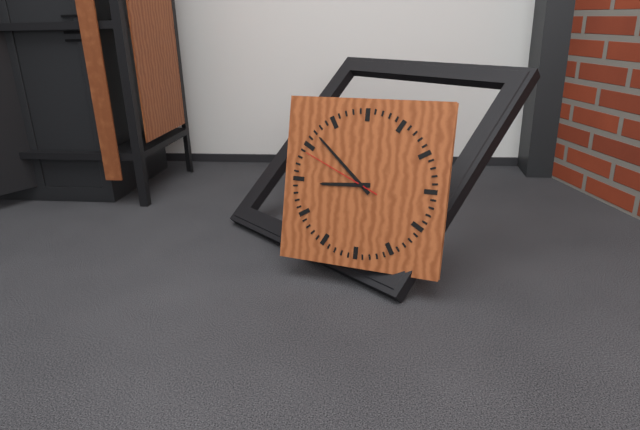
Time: 8h52m49s
